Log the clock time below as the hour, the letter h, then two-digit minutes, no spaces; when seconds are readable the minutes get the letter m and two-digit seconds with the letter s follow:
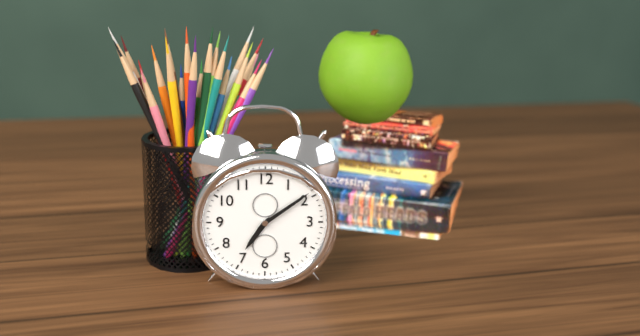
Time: 7h09
